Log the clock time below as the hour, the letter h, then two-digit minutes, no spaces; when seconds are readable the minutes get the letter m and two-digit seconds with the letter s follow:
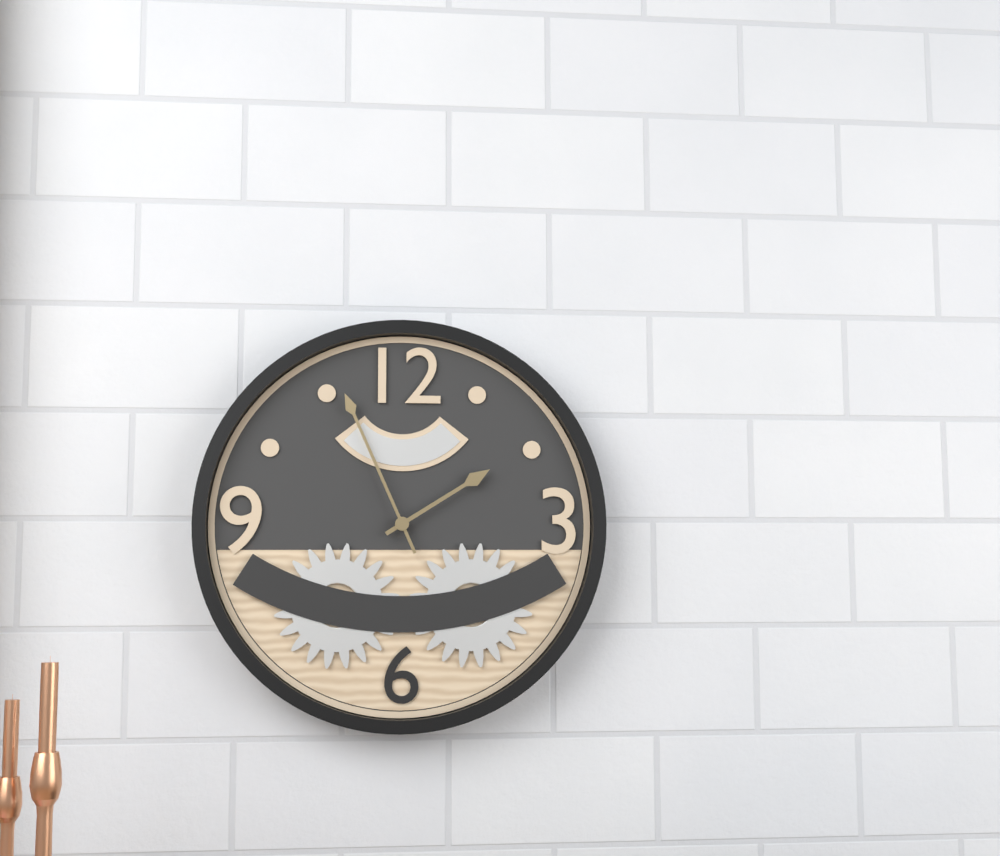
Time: 1h56
